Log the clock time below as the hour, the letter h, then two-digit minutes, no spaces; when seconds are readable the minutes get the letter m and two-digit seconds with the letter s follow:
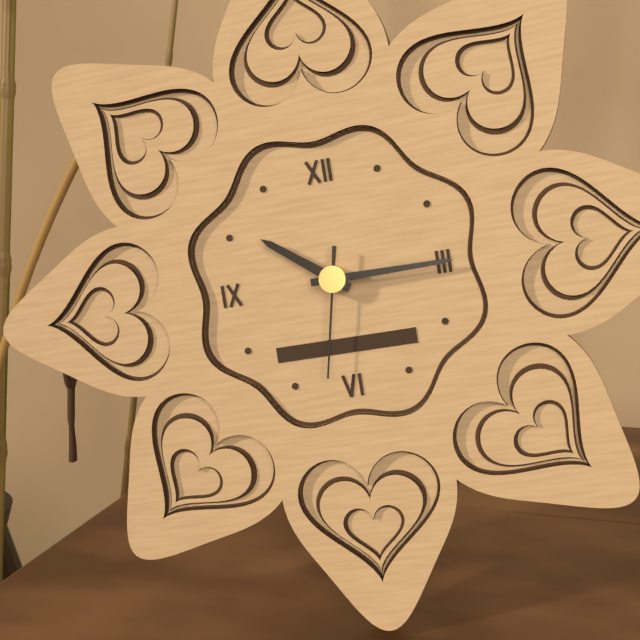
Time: 10h15m32s
